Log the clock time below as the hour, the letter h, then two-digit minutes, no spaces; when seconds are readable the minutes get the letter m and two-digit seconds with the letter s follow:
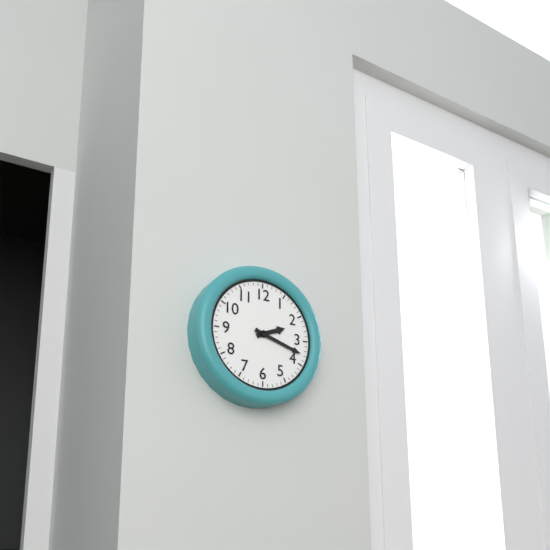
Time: 2h18
